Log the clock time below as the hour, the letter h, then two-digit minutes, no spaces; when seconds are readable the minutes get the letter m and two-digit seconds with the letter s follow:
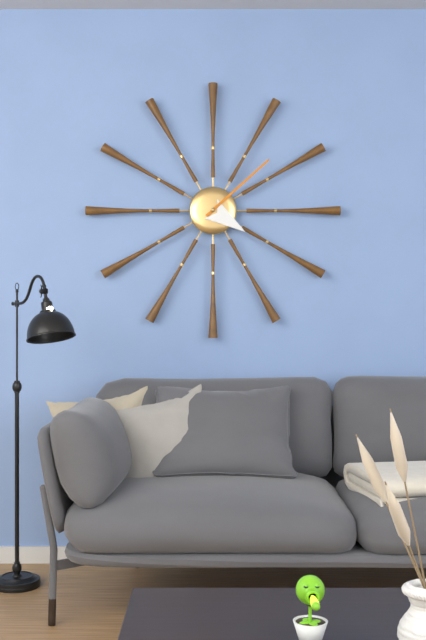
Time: 4h08
